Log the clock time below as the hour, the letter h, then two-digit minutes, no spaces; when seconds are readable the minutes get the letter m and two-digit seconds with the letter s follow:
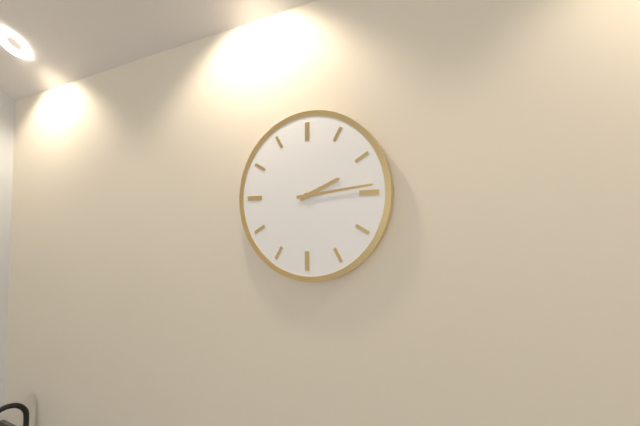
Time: 2h14
